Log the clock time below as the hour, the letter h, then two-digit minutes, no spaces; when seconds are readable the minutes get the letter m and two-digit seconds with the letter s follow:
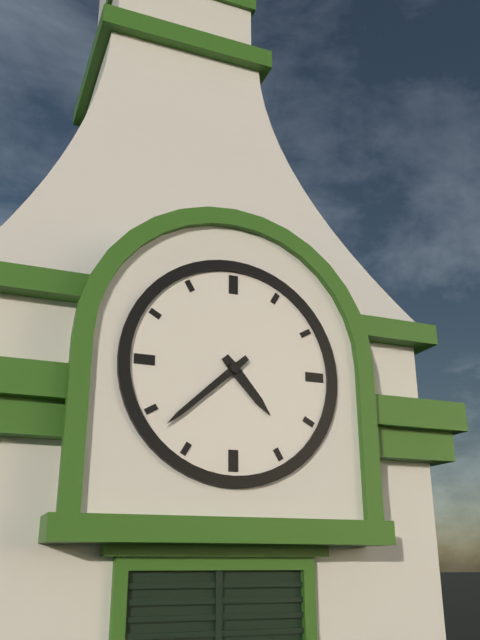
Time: 4h38
